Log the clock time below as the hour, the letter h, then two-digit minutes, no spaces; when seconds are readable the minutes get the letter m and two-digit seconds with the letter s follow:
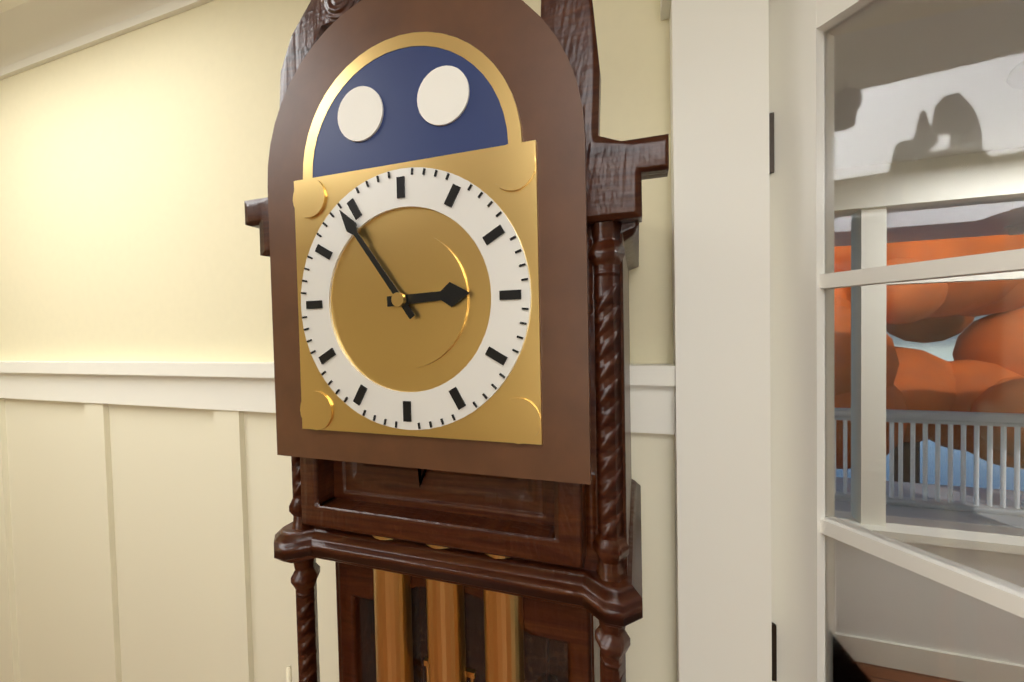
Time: 2h54
